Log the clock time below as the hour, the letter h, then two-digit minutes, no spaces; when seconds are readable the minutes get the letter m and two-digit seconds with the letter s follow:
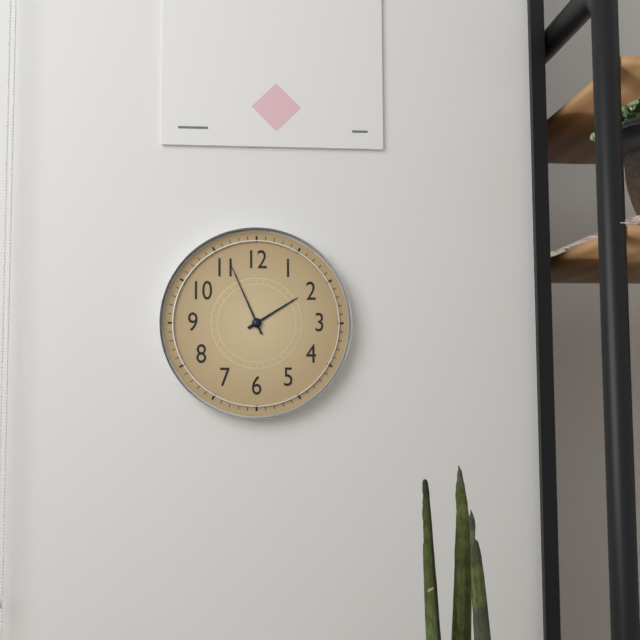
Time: 1h56
